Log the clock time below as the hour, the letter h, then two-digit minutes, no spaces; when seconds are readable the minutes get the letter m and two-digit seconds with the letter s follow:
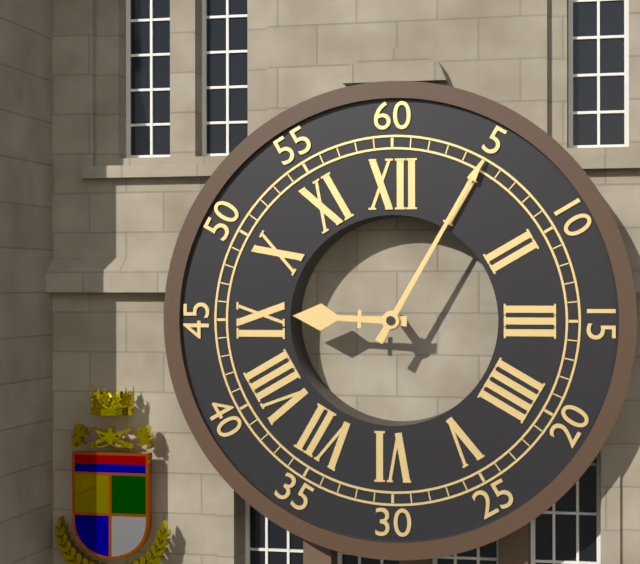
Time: 9h05
